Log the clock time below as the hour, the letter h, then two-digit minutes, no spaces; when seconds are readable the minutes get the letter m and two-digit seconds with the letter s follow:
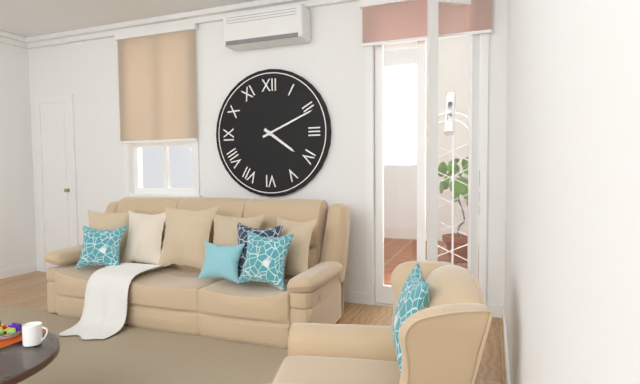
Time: 4h11
